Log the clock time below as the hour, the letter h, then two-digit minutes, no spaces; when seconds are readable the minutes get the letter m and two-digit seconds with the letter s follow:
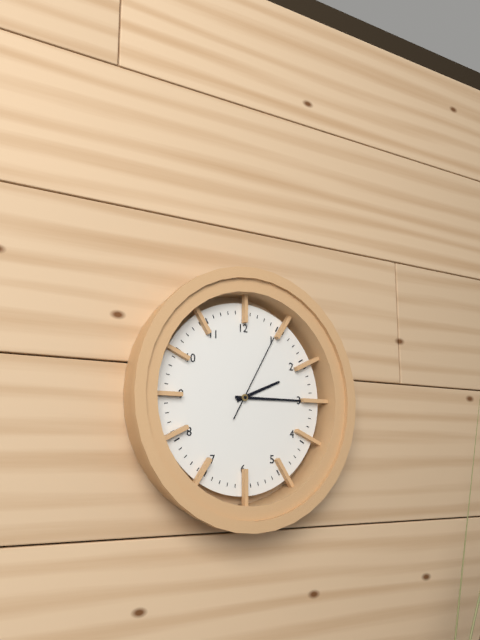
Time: 2h15m05s
